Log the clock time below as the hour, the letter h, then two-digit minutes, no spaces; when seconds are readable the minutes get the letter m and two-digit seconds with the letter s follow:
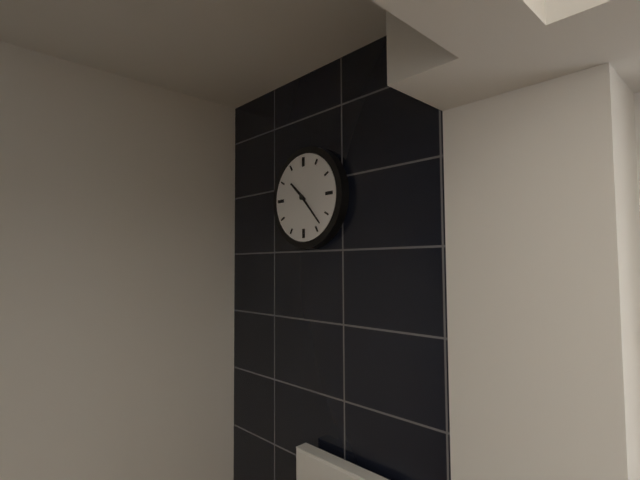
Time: 10h23
